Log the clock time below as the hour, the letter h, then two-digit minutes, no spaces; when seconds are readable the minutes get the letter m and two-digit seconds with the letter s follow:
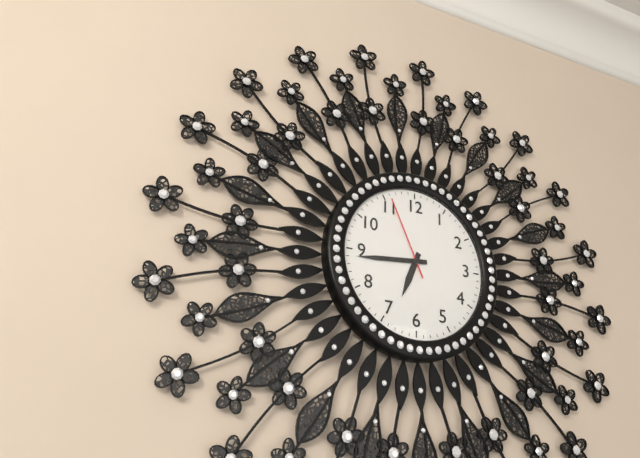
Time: 6h44m56s
